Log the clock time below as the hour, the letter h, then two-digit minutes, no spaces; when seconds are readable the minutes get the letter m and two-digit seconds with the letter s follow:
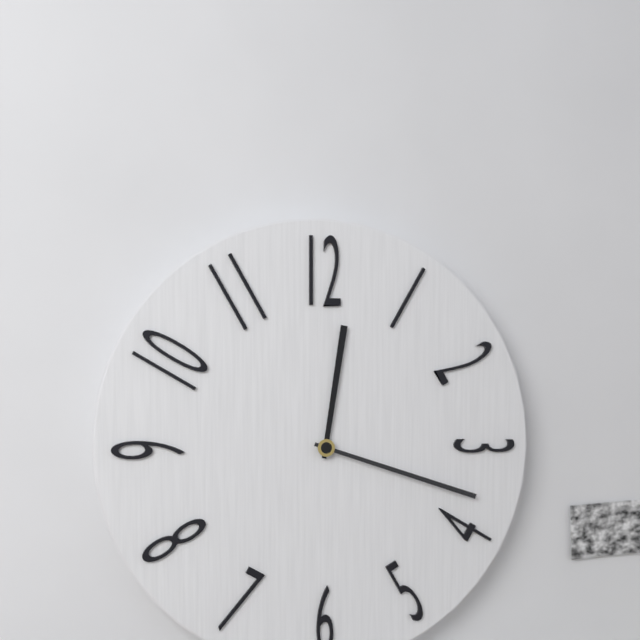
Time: 12h18
